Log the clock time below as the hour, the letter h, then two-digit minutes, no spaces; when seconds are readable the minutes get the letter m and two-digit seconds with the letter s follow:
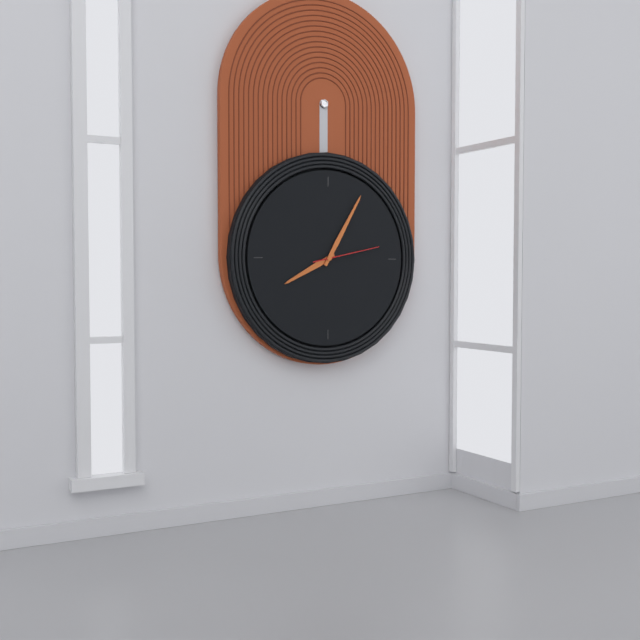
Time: 8h05m13s
